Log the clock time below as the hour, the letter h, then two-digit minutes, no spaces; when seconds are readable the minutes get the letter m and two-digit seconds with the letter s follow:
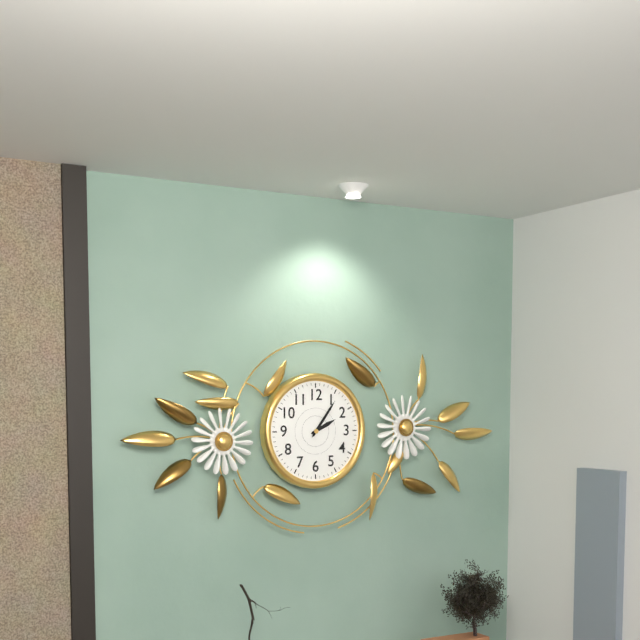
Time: 2h06
